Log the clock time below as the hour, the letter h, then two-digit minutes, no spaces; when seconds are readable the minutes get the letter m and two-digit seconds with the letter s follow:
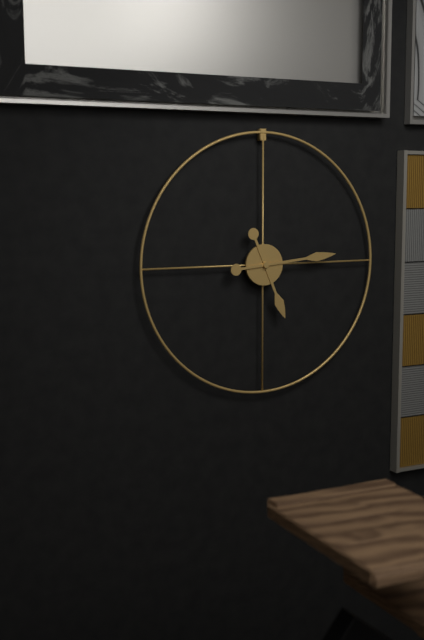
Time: 5h14
